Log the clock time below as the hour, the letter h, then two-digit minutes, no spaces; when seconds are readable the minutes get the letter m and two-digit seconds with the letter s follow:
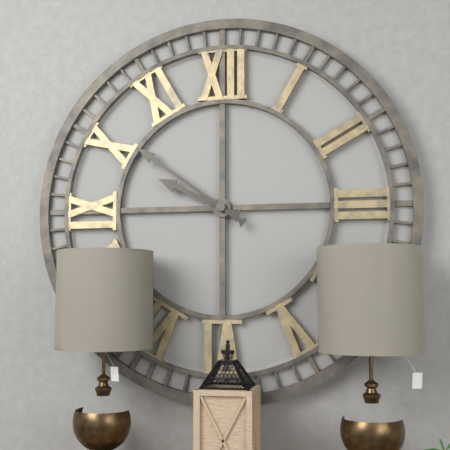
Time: 9h51
